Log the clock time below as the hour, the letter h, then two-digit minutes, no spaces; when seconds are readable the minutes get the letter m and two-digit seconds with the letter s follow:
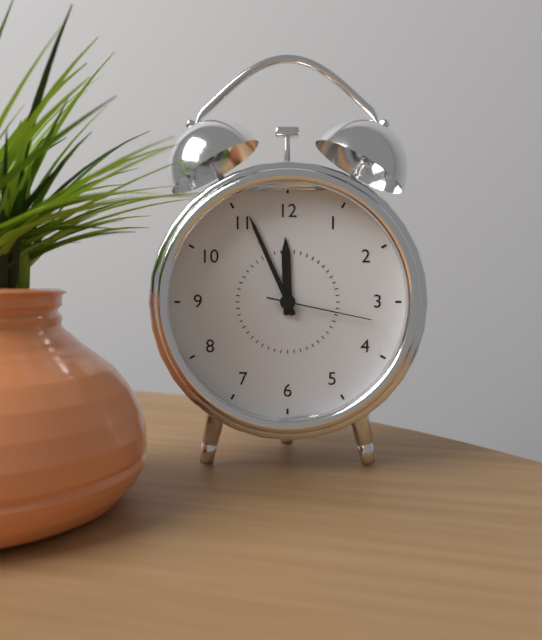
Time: 11h56m17s
